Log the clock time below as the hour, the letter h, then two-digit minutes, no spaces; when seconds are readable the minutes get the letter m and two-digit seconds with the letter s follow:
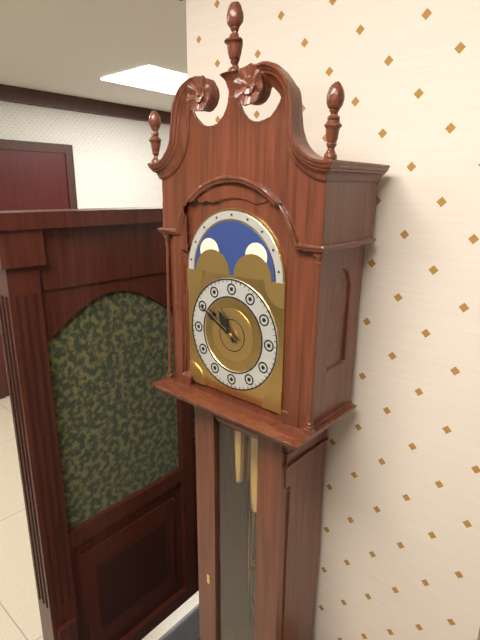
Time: 10h50
